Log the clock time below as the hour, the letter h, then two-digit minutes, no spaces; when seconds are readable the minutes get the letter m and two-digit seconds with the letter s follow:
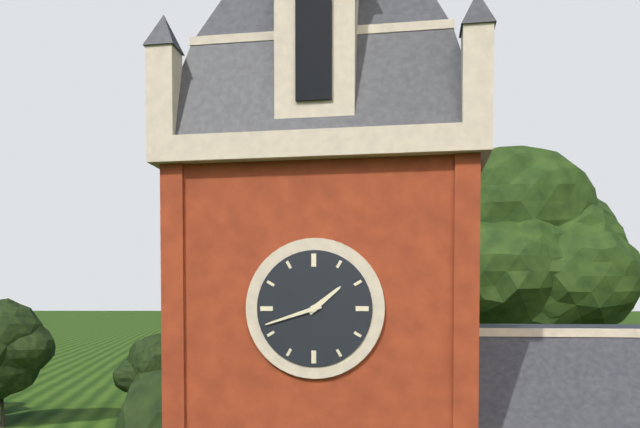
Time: 1h42
